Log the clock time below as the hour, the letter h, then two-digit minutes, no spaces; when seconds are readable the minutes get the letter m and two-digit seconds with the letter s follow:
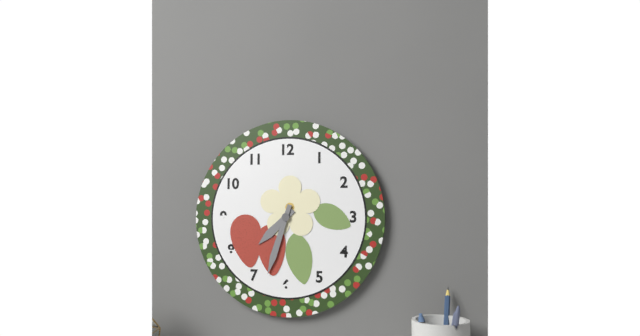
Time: 7h33
